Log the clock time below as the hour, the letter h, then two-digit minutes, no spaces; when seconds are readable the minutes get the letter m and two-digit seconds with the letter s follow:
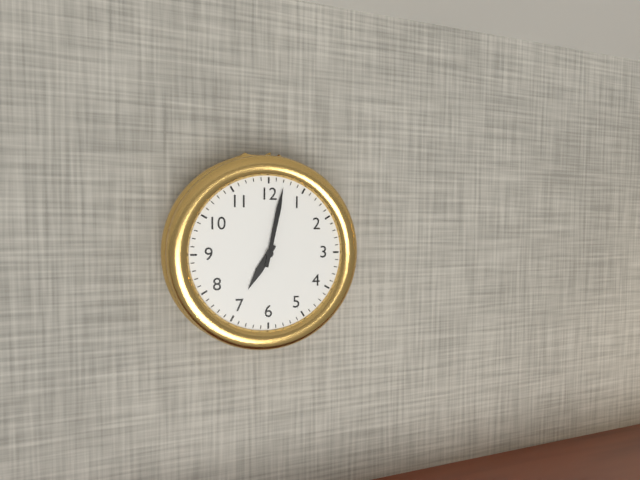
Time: 7h02
